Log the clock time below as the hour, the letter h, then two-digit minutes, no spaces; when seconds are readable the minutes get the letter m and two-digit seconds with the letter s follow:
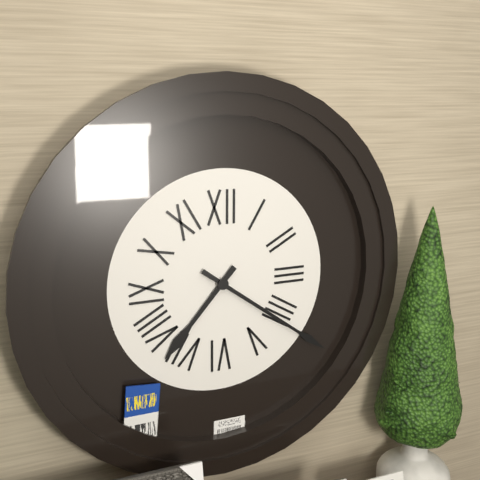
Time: 7h21
